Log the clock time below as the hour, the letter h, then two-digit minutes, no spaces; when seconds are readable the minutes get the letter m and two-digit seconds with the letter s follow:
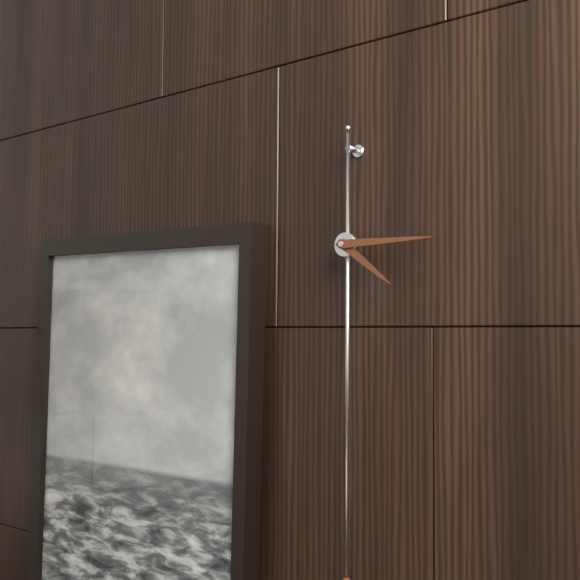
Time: 4h15
